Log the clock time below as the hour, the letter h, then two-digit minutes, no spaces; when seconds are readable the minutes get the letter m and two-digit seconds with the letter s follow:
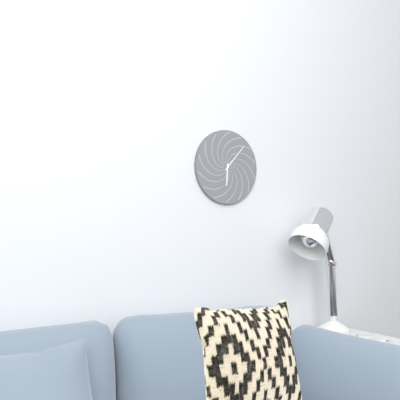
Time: 6h07
